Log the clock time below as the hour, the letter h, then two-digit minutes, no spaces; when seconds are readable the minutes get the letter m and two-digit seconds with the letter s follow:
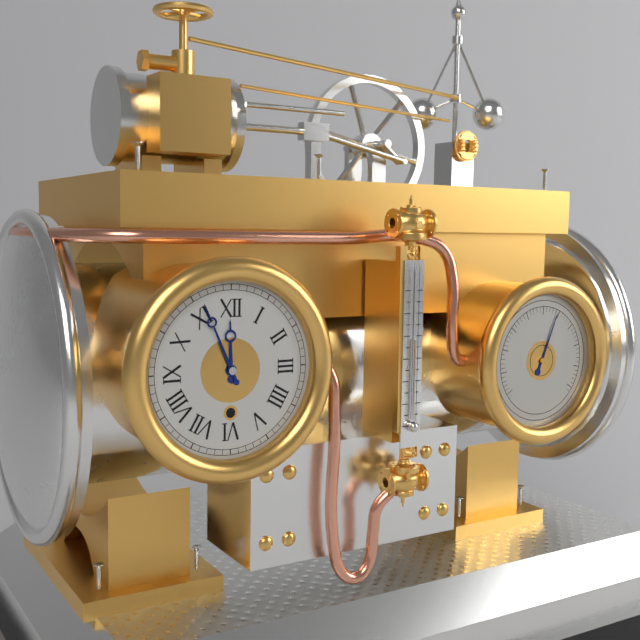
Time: 11h56
